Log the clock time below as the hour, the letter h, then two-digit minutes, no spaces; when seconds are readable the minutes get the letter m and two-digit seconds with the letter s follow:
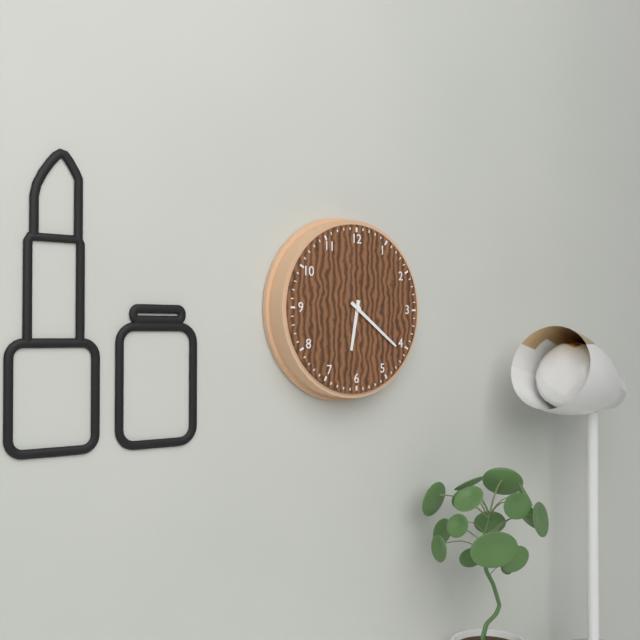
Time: 6h21
